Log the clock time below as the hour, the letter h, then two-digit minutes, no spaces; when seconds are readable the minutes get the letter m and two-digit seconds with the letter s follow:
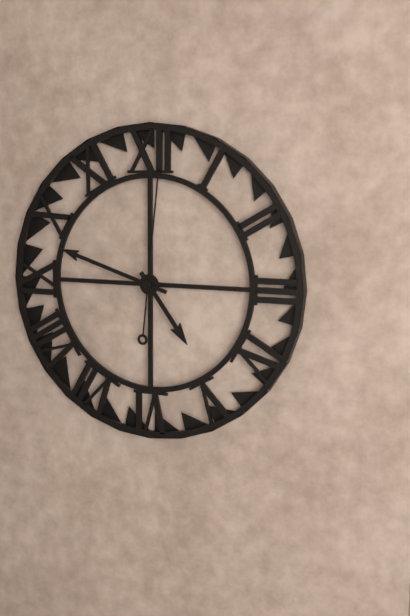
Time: 4h48m01s
